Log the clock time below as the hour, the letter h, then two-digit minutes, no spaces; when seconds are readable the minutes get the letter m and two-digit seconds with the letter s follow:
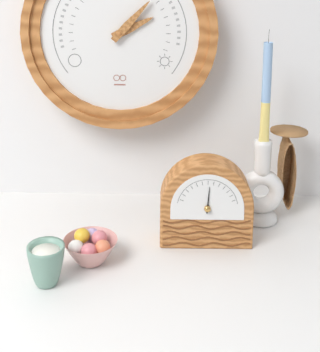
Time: 2h07
